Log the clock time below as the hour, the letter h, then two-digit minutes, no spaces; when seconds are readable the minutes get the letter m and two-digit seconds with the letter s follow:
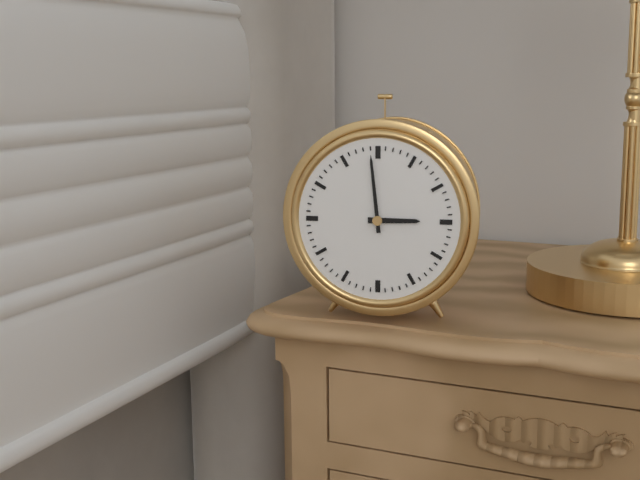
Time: 2h59
